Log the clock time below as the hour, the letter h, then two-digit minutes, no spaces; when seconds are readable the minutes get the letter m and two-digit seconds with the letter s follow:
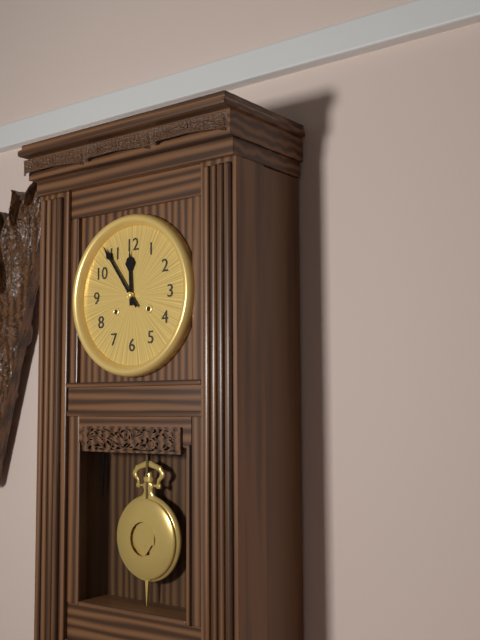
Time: 11h54
